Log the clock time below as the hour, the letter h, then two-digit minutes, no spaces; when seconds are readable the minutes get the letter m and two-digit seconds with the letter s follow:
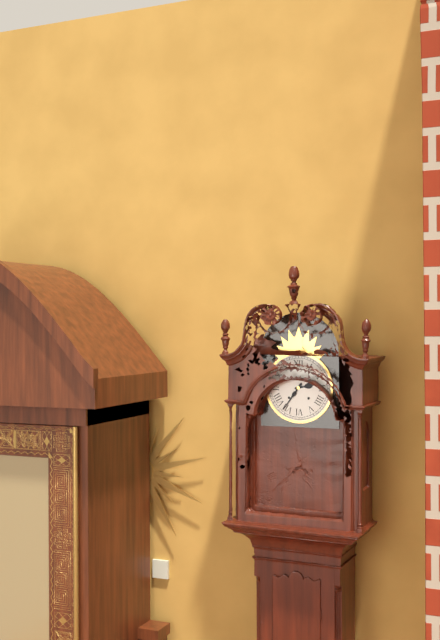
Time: 2h36
